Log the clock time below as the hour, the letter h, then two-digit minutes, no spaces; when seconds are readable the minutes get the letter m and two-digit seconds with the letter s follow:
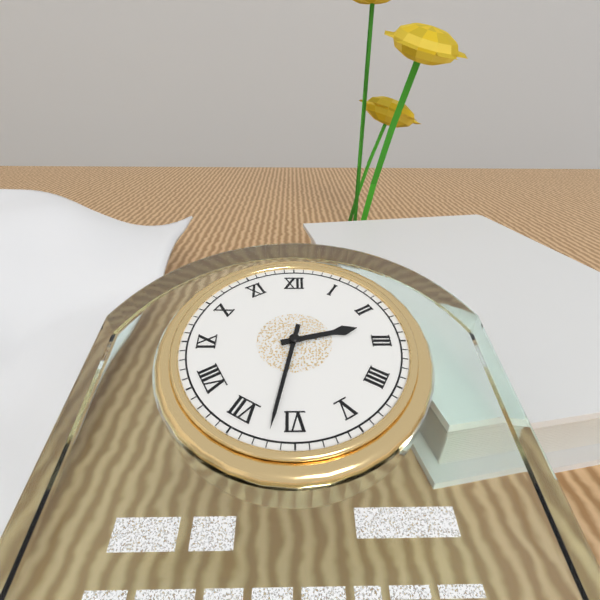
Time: 2h32
